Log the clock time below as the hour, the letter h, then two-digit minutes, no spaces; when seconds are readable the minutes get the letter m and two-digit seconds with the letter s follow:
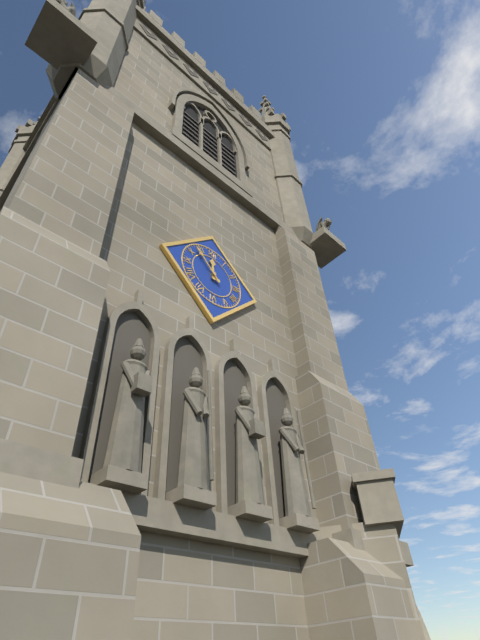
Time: 11h53
